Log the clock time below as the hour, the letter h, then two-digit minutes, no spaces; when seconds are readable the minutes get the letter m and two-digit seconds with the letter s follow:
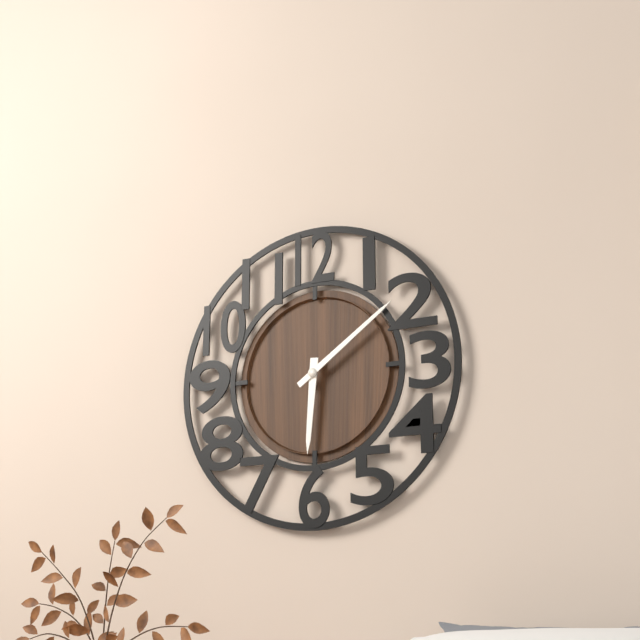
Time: 6h09
